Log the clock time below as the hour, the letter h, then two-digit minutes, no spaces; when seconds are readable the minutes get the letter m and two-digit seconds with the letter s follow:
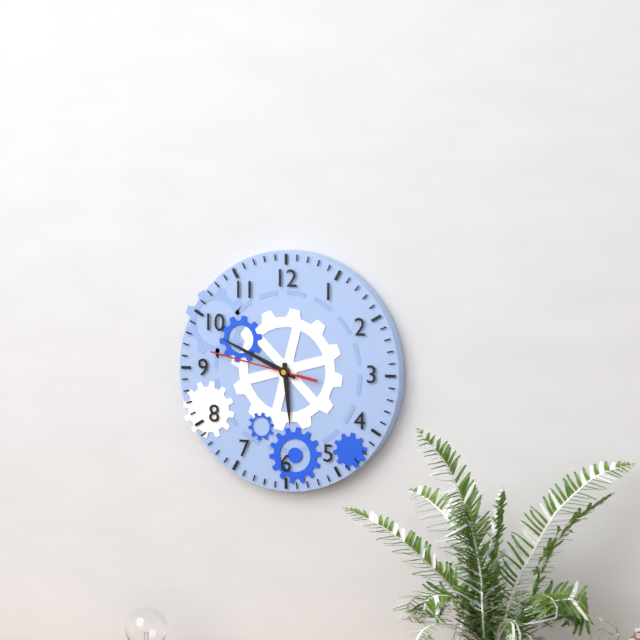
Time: 5h49m47s
